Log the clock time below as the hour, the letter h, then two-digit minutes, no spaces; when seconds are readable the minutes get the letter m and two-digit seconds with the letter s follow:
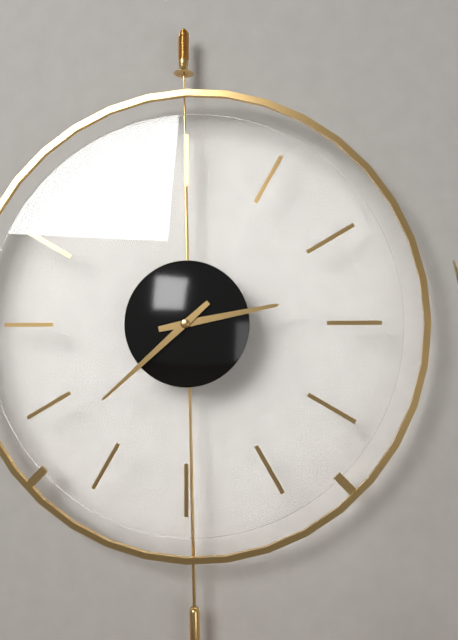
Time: 2h38
